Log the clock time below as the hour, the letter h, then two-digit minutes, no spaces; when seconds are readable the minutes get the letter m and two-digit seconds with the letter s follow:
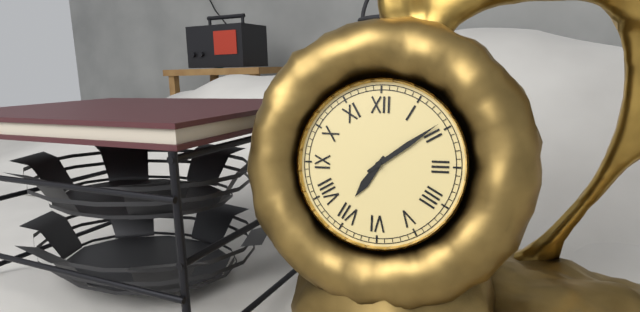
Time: 7h09
